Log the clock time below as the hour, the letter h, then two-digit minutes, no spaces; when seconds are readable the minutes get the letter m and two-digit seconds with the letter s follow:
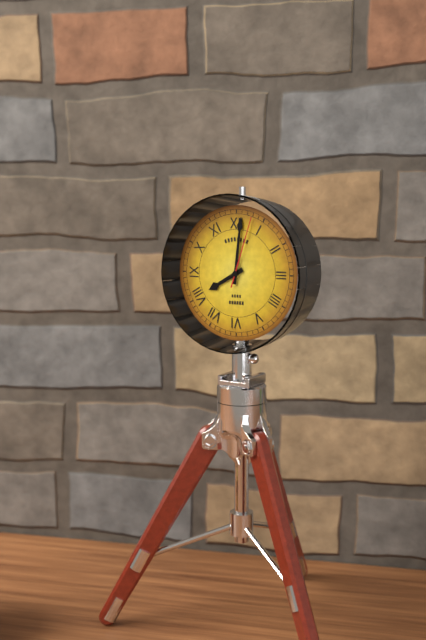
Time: 8h01m03s
